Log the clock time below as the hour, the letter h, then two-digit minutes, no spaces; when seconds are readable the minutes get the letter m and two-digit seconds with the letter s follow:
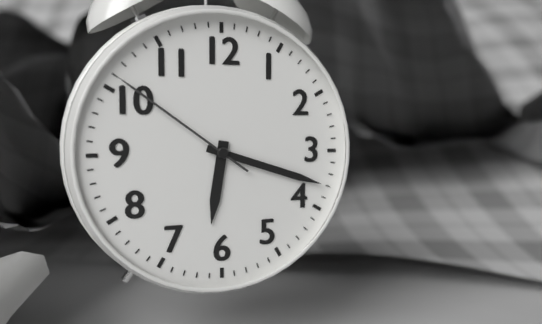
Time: 6h18m51s
